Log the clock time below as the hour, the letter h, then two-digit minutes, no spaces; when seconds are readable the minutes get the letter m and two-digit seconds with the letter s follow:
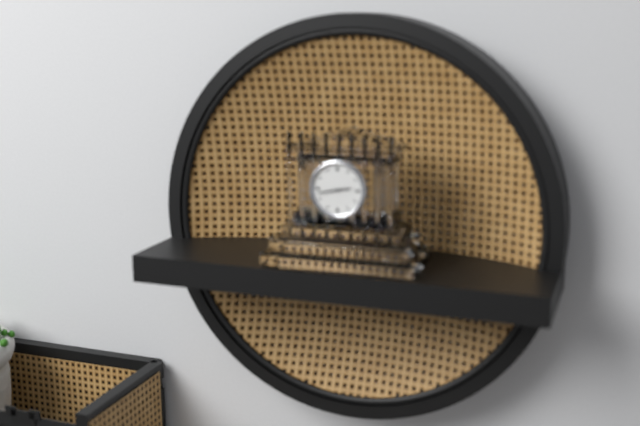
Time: 2h43
